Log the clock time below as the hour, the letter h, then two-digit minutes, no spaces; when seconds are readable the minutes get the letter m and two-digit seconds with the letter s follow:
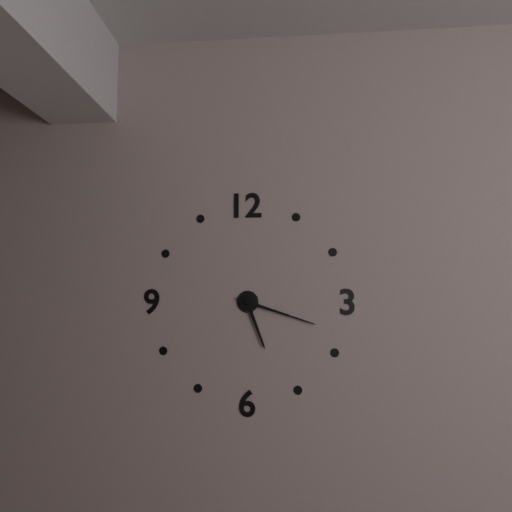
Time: 5h18
